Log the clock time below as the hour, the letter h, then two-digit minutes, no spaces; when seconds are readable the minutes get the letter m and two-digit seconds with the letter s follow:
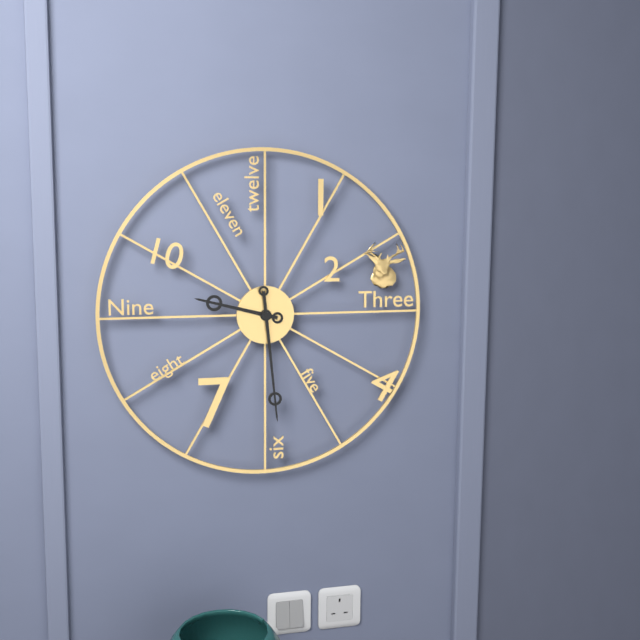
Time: 9h29
